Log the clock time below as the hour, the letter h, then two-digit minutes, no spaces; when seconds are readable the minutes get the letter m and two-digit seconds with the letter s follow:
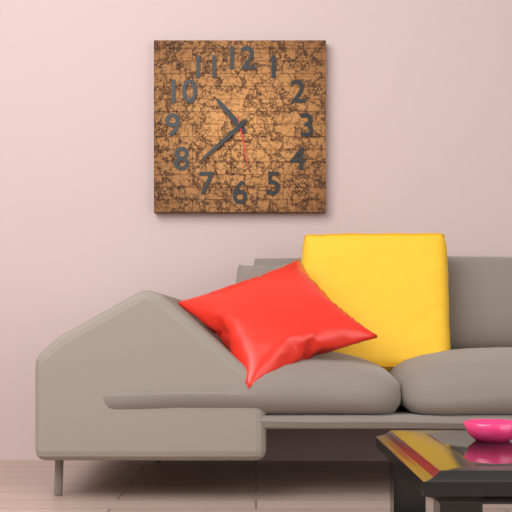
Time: 10h38m28s
